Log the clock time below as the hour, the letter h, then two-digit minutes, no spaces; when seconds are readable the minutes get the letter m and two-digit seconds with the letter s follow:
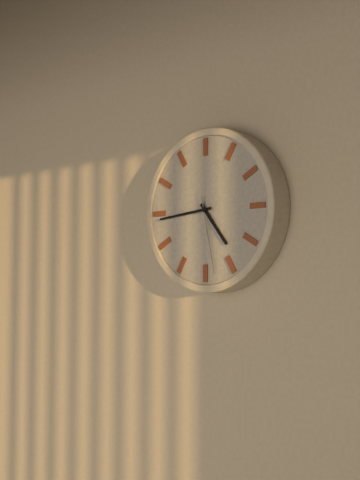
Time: 4h44m28s
